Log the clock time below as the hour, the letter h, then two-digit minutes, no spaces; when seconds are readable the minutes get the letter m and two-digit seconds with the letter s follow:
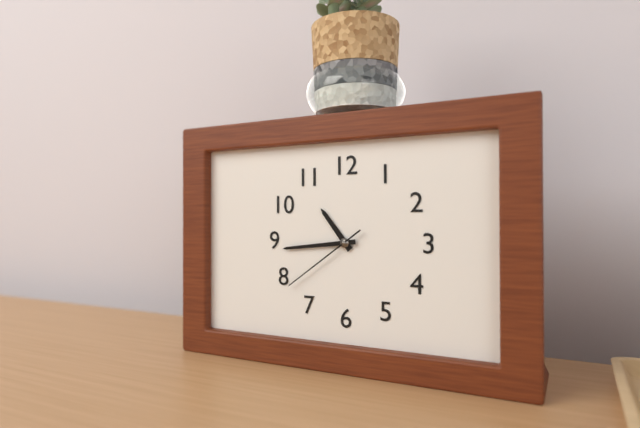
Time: 10h44m39s
